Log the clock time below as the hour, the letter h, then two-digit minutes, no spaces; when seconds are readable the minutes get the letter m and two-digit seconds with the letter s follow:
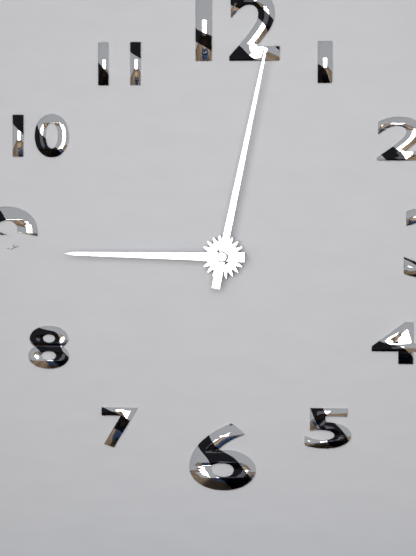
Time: 9h02
